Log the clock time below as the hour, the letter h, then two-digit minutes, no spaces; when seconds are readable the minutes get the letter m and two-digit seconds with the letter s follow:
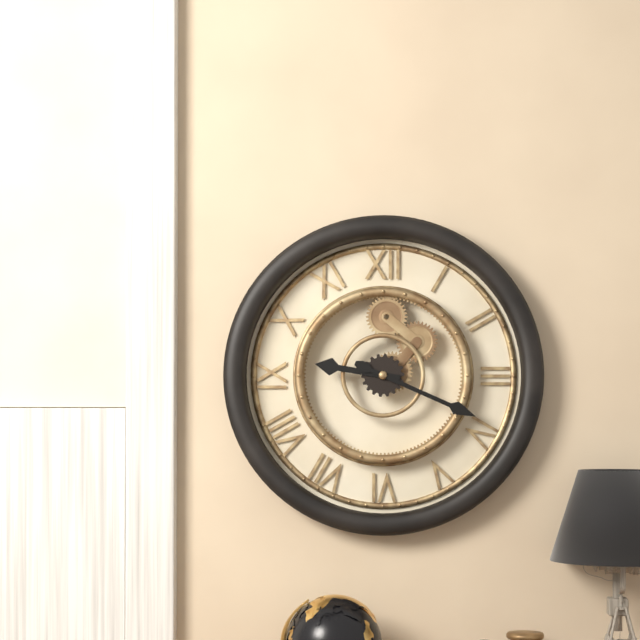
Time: 9h19
